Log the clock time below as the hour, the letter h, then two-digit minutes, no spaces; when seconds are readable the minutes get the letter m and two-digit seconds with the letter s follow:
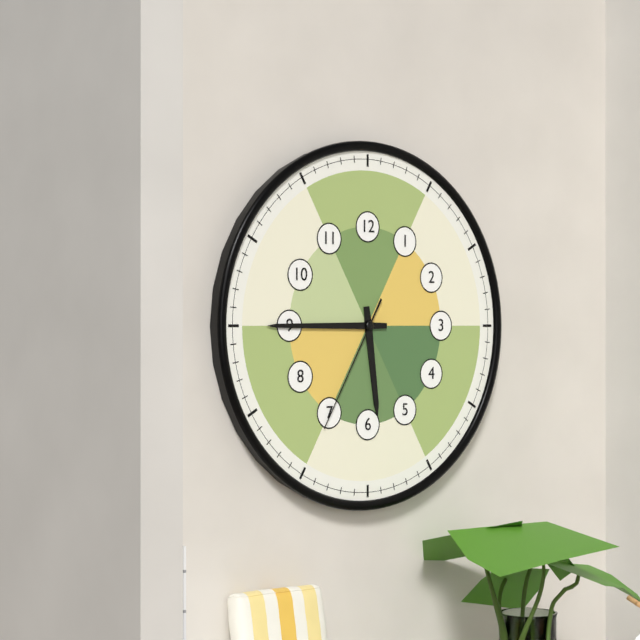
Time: 5h45m35s
